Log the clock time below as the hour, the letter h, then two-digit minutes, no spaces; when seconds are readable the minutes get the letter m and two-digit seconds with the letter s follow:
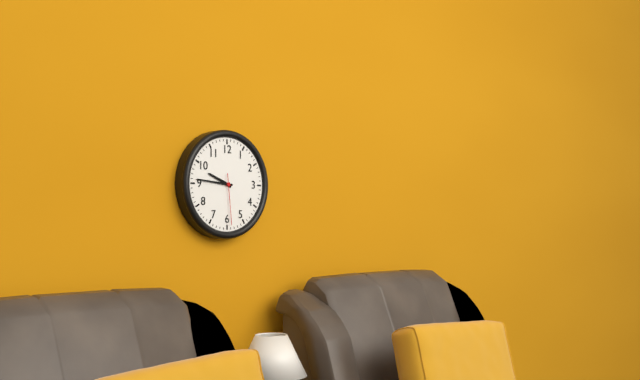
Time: 9h46m29s
